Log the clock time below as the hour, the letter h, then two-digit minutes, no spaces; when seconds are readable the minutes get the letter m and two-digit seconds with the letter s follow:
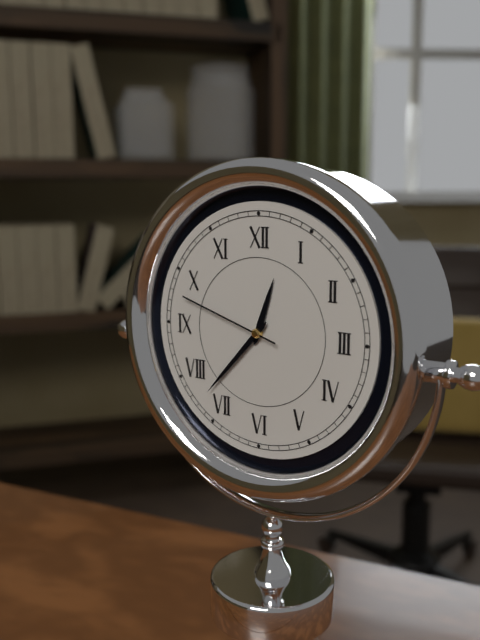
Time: 12h37m48s
